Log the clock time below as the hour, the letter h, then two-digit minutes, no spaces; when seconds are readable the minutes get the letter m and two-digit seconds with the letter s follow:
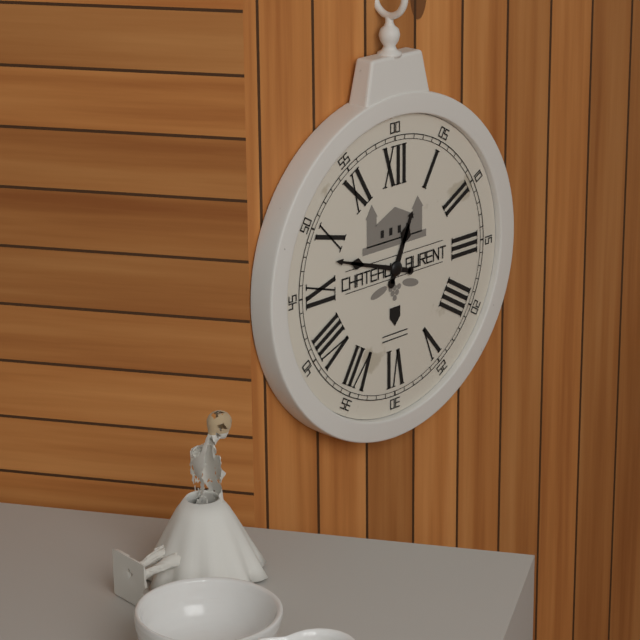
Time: 12h48
